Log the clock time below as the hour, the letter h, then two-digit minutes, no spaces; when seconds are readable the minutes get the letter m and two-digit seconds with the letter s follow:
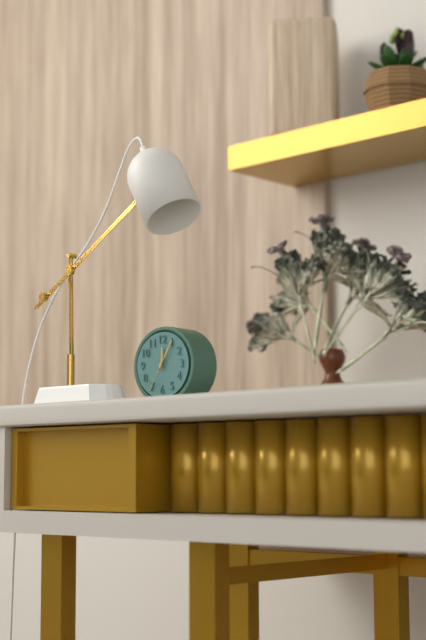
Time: 12h05
